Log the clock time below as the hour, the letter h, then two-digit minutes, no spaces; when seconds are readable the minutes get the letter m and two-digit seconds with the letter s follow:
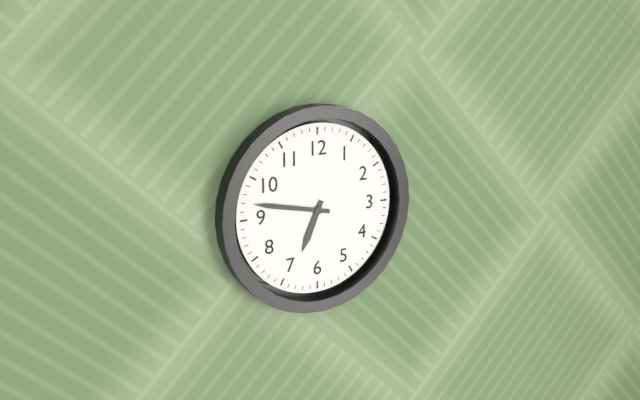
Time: 6h47
